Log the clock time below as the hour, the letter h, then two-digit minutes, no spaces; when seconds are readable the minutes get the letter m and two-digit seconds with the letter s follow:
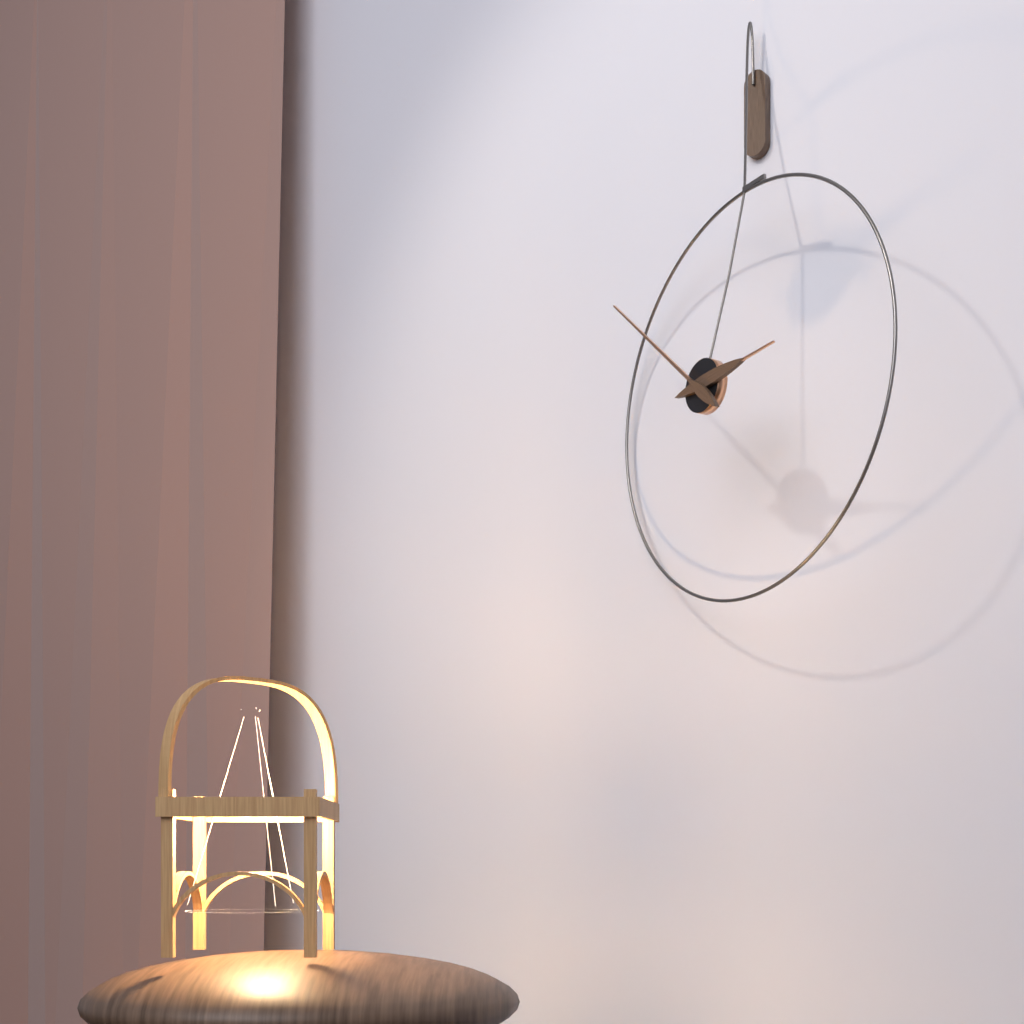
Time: 2h52
